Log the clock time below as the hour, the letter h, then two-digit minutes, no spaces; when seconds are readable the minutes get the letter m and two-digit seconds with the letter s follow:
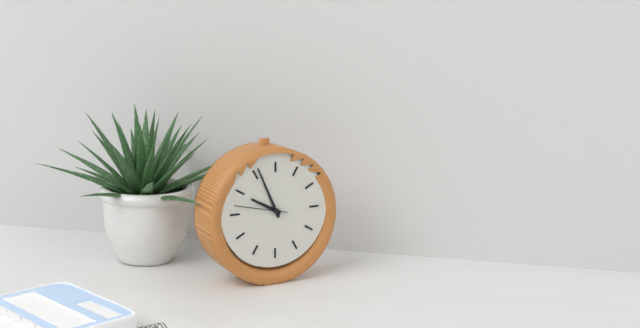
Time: 9h56
